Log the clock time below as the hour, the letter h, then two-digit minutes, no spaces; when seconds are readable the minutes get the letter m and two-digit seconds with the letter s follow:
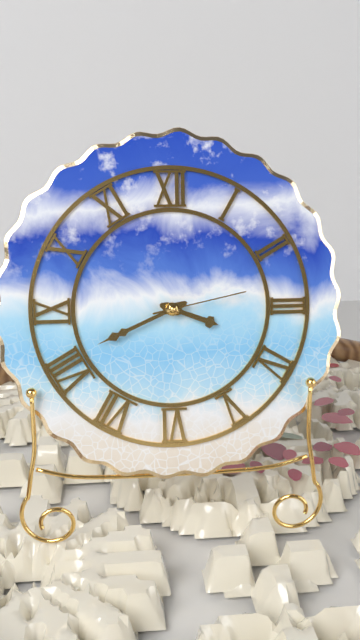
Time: 3h41m13s
